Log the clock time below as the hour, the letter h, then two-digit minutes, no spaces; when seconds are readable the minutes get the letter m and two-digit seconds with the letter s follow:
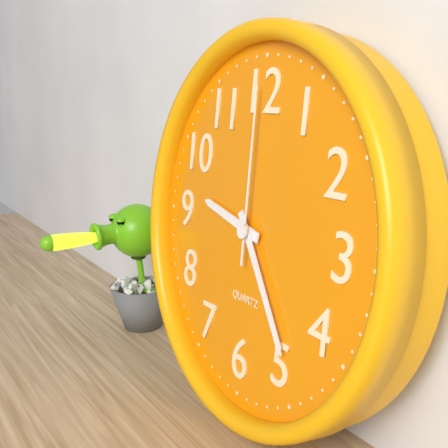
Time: 9h24m00s
